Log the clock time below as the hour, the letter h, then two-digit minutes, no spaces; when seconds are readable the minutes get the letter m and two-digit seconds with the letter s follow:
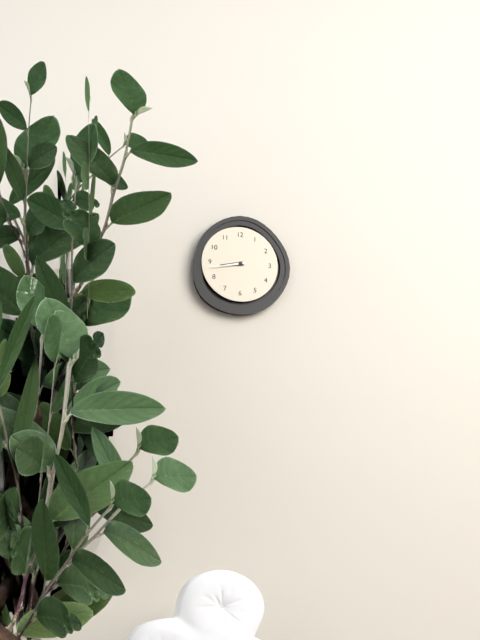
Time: 8h43
